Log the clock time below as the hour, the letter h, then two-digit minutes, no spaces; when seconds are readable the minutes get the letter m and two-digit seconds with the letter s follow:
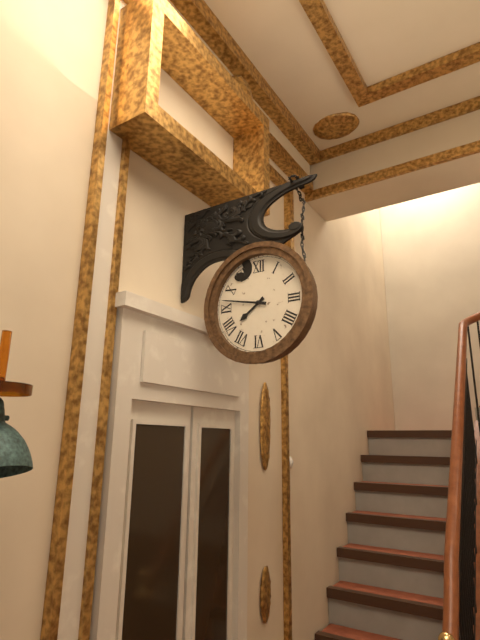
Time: 7h47
